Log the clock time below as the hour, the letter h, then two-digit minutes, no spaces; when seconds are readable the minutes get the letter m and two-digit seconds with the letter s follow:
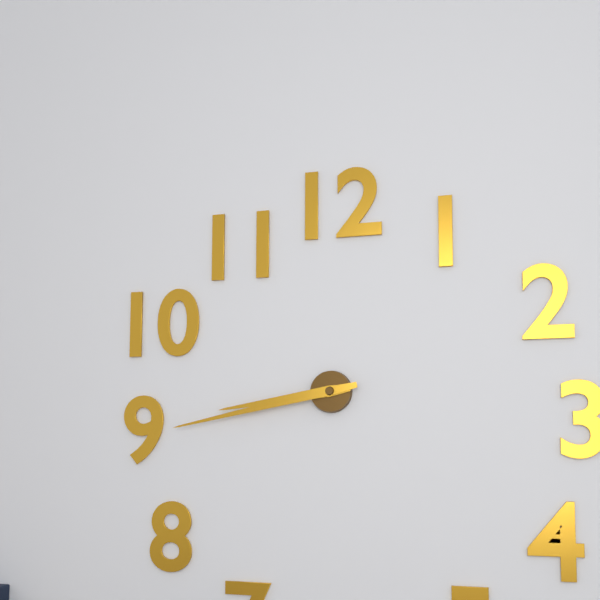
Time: 8h43
